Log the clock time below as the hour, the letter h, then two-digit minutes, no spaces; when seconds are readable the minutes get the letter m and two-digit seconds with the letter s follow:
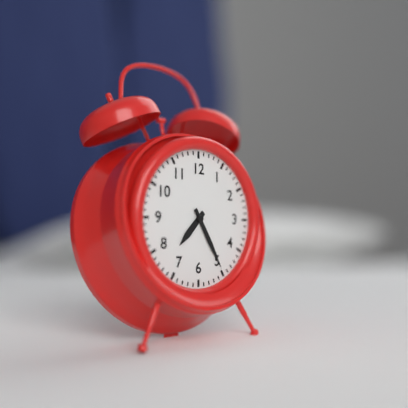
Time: 7h25
